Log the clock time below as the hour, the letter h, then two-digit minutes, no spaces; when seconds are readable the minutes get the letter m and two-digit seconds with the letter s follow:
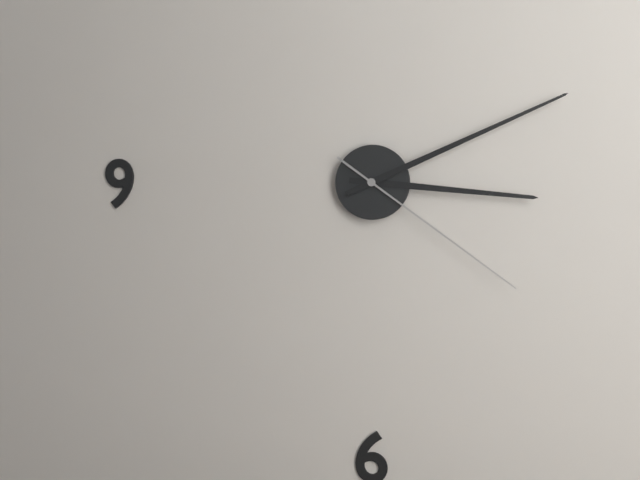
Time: 3h11m21s
